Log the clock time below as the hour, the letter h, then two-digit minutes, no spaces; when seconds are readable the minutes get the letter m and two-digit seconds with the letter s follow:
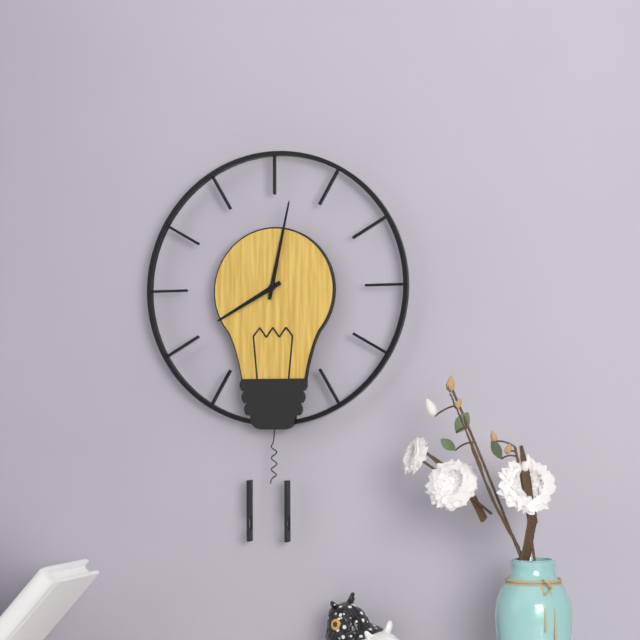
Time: 8h02
